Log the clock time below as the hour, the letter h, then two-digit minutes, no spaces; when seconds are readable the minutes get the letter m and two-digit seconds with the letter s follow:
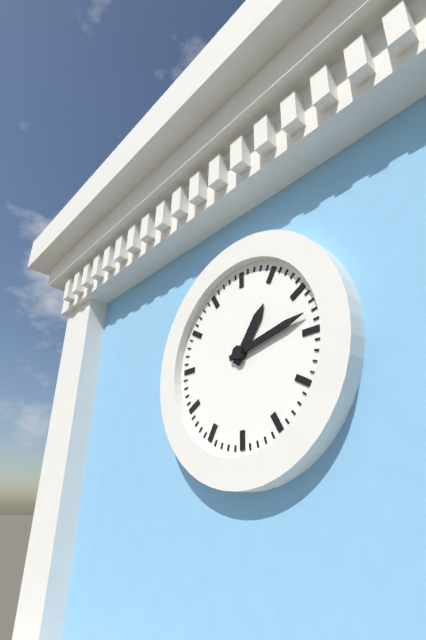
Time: 1h13
